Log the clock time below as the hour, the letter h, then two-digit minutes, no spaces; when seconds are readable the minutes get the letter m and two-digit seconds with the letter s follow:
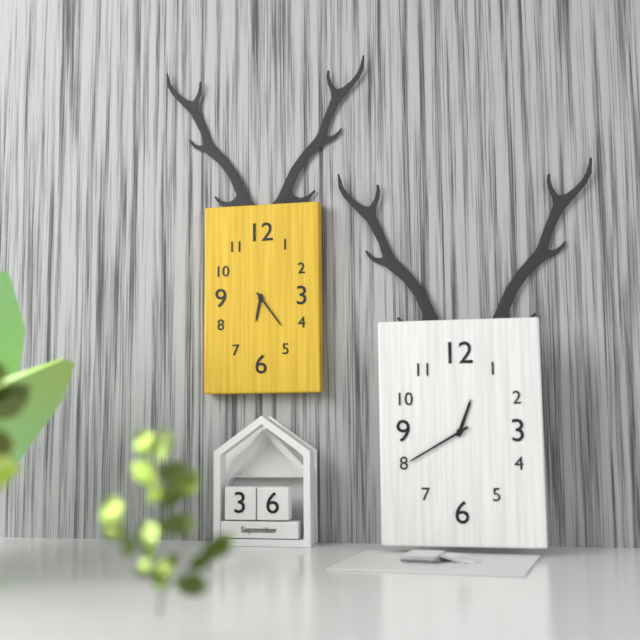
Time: 6h24
